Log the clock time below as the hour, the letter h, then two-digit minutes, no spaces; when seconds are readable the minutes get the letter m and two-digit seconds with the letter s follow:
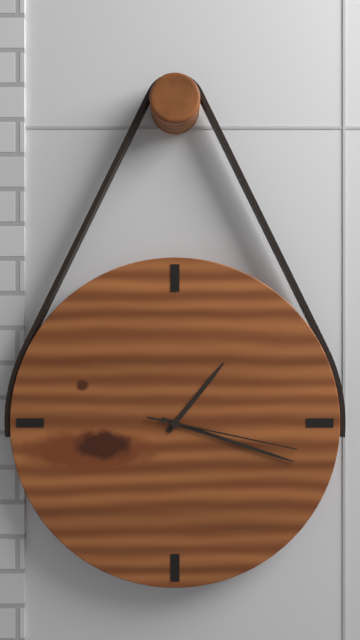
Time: 1h18m17s
